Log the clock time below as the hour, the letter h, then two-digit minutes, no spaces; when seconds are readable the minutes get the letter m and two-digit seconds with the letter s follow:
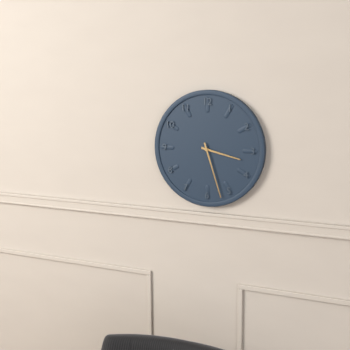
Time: 3h27
